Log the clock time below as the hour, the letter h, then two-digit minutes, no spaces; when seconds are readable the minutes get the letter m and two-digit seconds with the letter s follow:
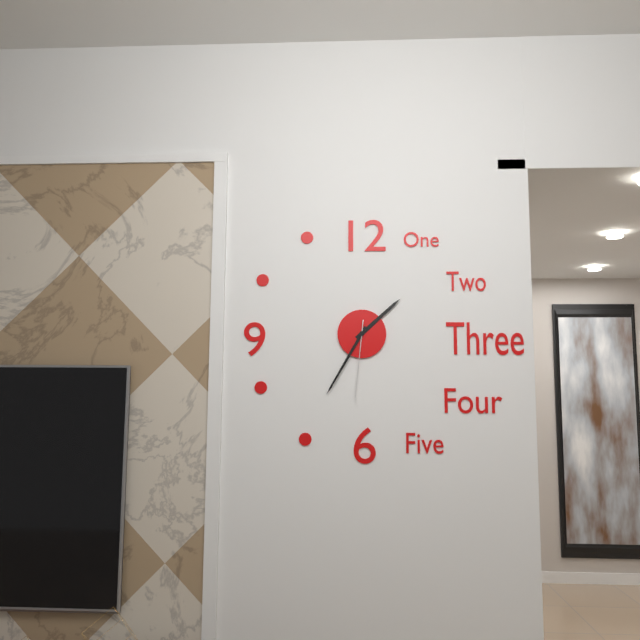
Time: 1h35m31s
